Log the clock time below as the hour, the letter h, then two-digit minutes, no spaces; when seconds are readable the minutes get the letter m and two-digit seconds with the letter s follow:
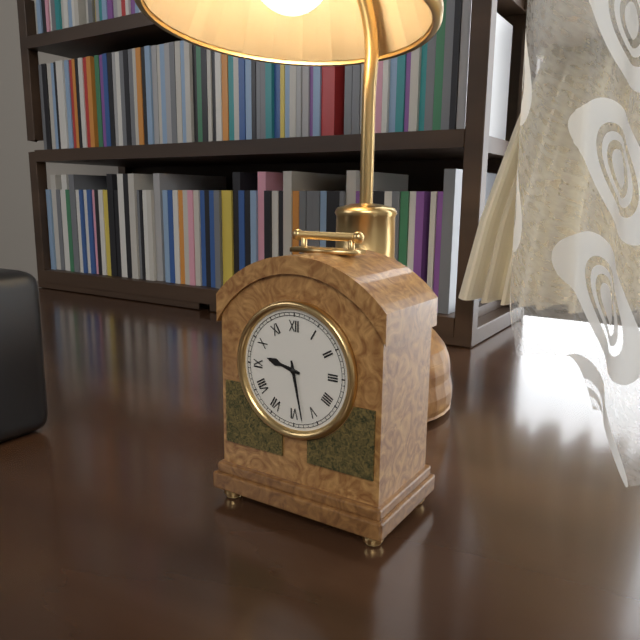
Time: 9h28
